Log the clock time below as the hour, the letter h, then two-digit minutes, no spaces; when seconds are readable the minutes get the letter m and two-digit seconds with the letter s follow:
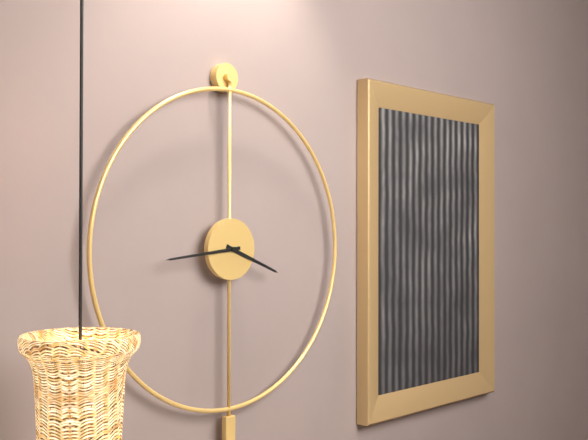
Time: 3h44
